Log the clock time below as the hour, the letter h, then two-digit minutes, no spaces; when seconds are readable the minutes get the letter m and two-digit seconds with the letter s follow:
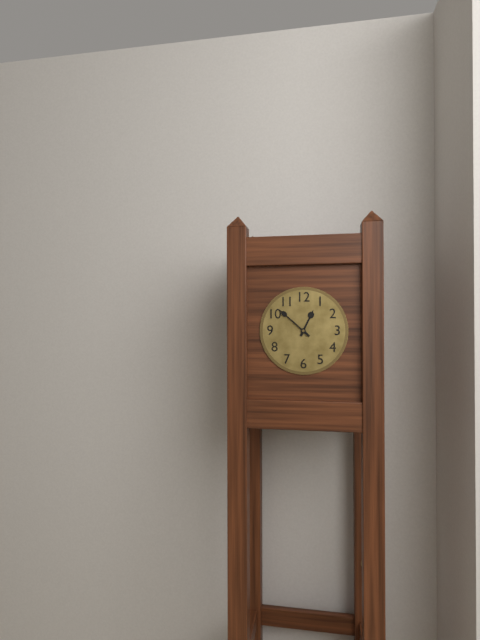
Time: 12h52
